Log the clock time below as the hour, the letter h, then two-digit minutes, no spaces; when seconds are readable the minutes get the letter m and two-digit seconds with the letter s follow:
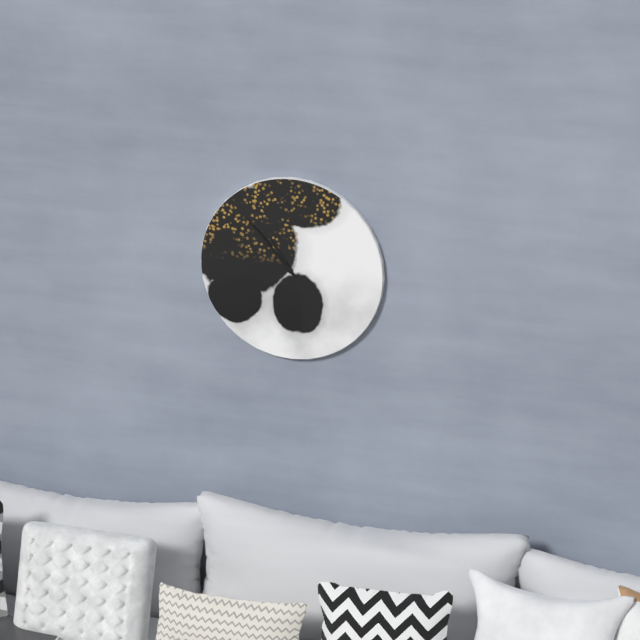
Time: 10h53
